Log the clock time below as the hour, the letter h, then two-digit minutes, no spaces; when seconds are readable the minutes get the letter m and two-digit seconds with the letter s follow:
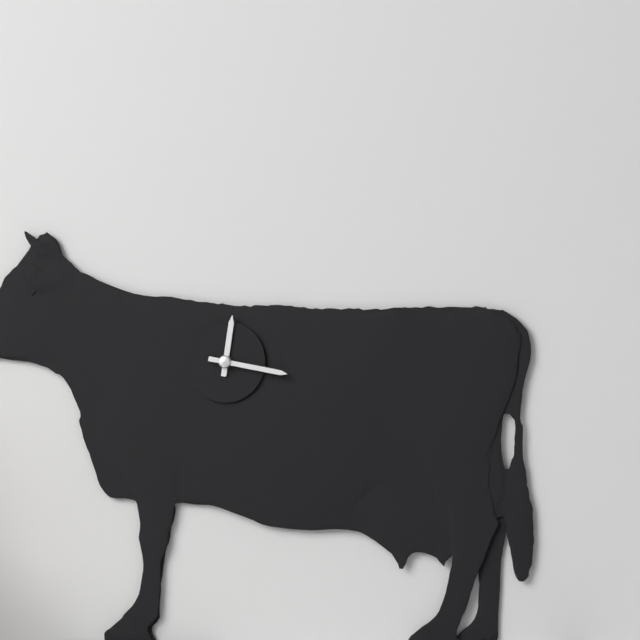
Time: 12h17
